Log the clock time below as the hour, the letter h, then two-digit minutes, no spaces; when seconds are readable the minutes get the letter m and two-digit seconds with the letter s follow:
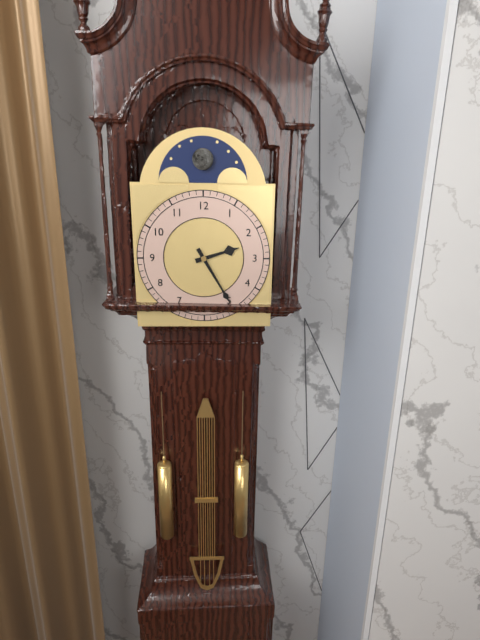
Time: 2h25
